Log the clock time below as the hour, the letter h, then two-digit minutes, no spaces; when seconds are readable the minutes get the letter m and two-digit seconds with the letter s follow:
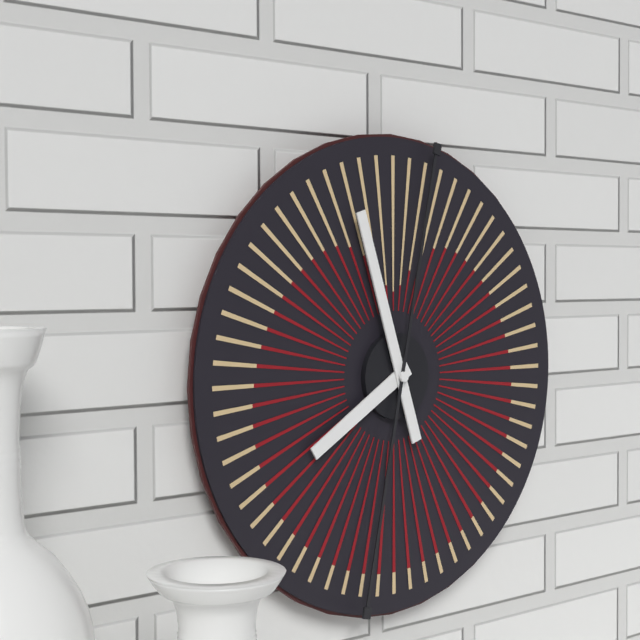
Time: 7h57
